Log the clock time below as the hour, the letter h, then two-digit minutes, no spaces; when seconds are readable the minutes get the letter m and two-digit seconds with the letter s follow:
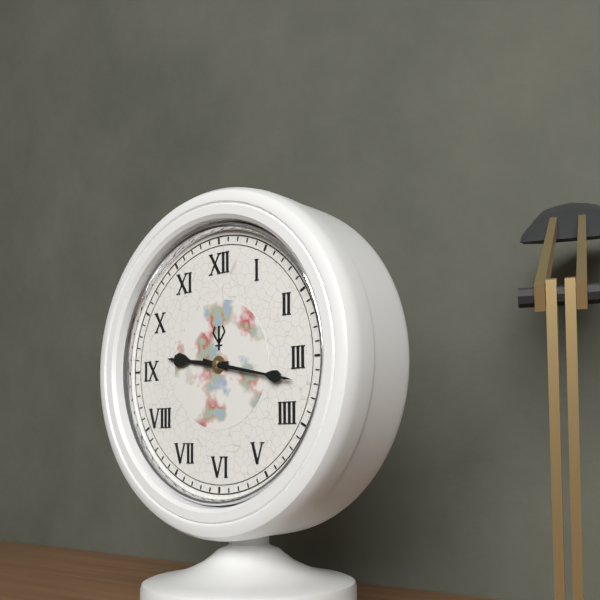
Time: 9h17
